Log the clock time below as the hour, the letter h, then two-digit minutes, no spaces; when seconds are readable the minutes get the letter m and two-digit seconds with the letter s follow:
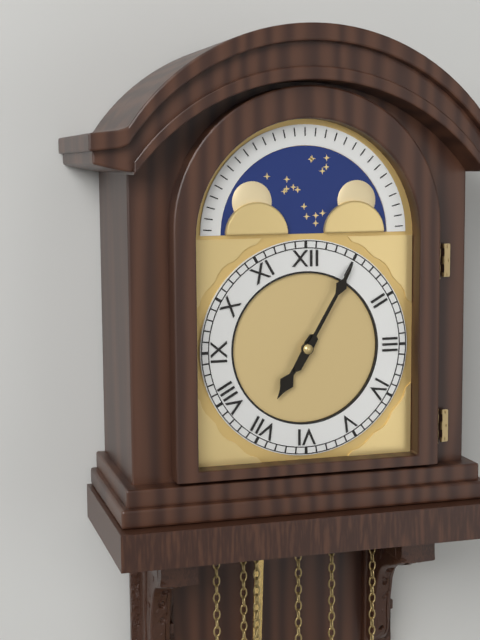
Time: 7h05
